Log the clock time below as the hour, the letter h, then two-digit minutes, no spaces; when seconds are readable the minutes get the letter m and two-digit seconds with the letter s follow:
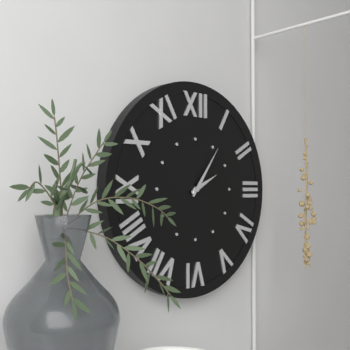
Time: 2h06
